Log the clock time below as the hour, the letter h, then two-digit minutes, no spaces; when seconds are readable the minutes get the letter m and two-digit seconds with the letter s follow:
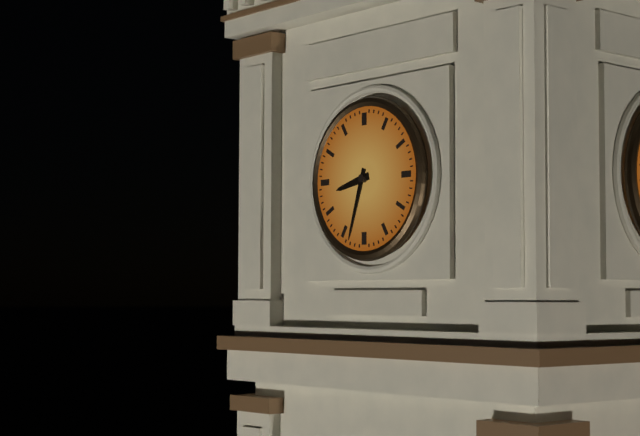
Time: 8h33
